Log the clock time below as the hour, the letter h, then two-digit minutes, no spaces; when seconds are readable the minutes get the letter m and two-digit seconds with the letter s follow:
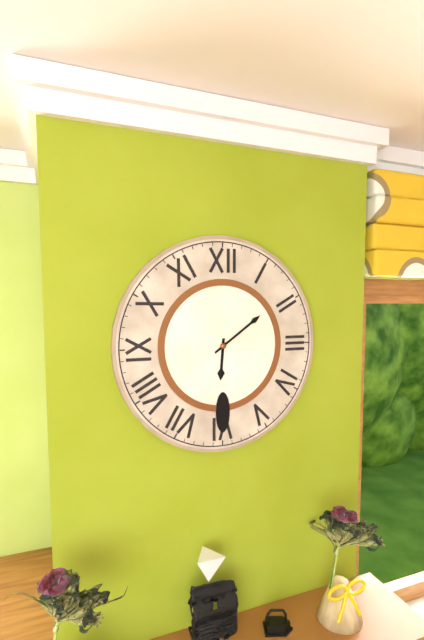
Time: 6h09
